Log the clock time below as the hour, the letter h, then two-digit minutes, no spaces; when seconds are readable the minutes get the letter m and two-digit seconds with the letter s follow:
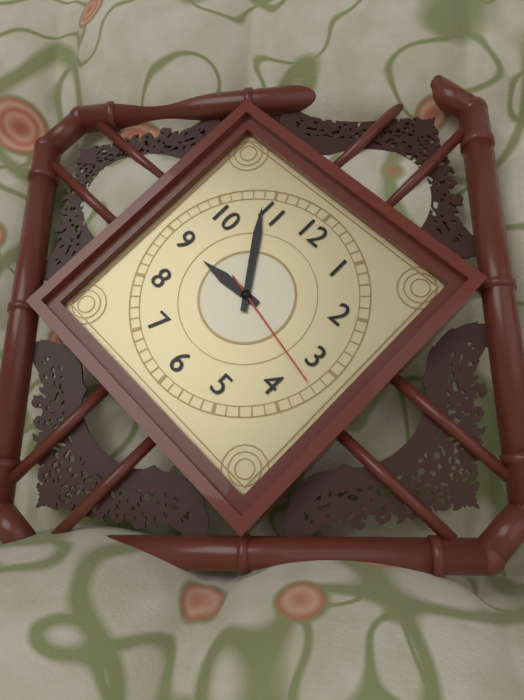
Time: 8h54m17s
